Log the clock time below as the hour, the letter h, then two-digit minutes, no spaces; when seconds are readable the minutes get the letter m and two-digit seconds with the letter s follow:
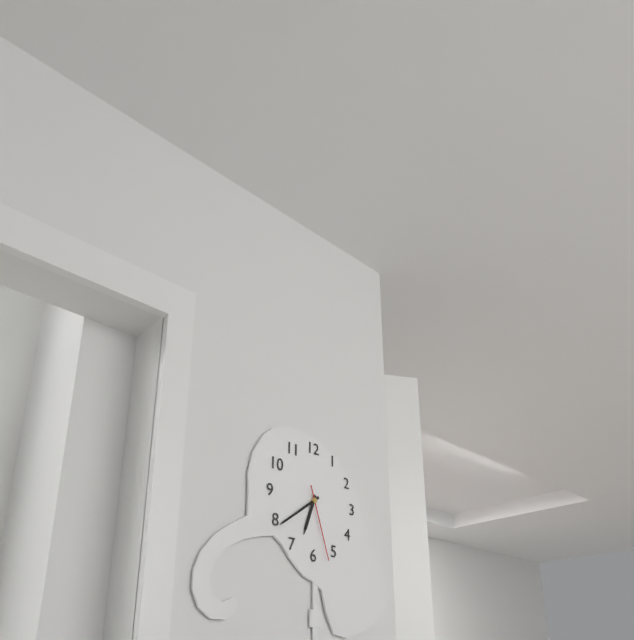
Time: 6h39m27s
